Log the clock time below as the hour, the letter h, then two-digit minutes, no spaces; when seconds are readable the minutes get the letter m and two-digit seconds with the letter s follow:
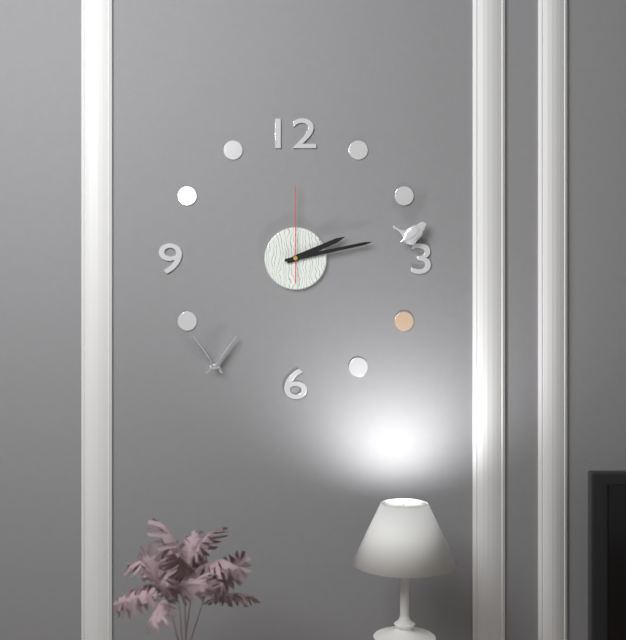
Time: 2h13m00s
